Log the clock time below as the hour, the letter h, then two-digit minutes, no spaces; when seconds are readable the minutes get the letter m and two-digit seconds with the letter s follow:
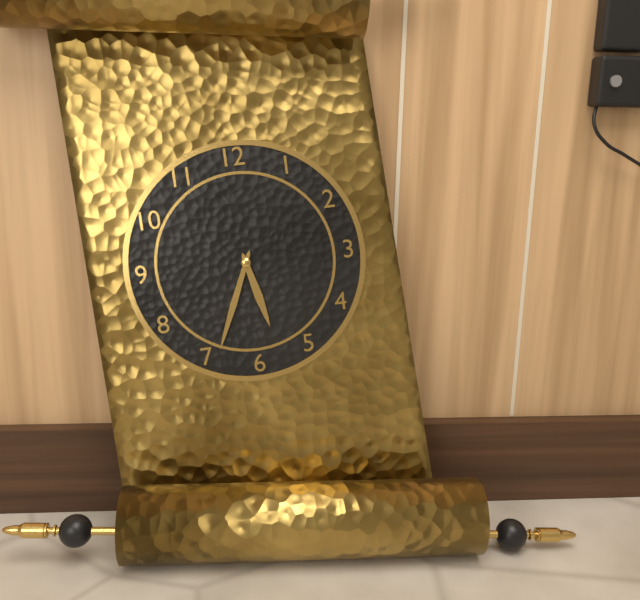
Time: 5h34
